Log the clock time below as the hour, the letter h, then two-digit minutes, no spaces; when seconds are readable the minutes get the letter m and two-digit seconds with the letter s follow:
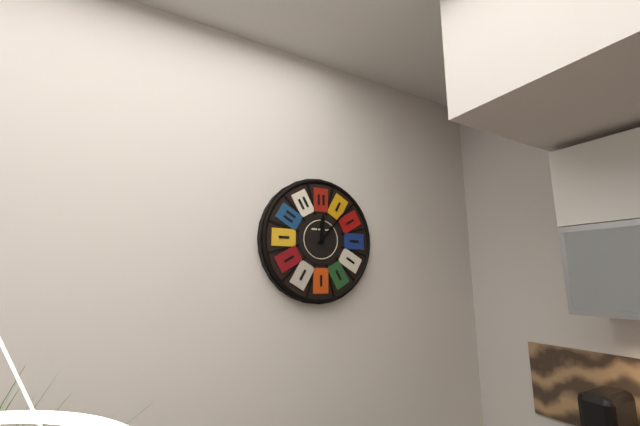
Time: 12h07
